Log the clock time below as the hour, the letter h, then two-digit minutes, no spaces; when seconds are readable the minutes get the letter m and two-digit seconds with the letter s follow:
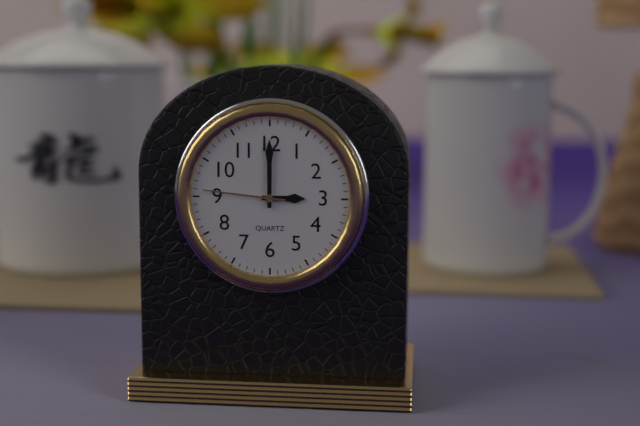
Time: 3h00m46s
